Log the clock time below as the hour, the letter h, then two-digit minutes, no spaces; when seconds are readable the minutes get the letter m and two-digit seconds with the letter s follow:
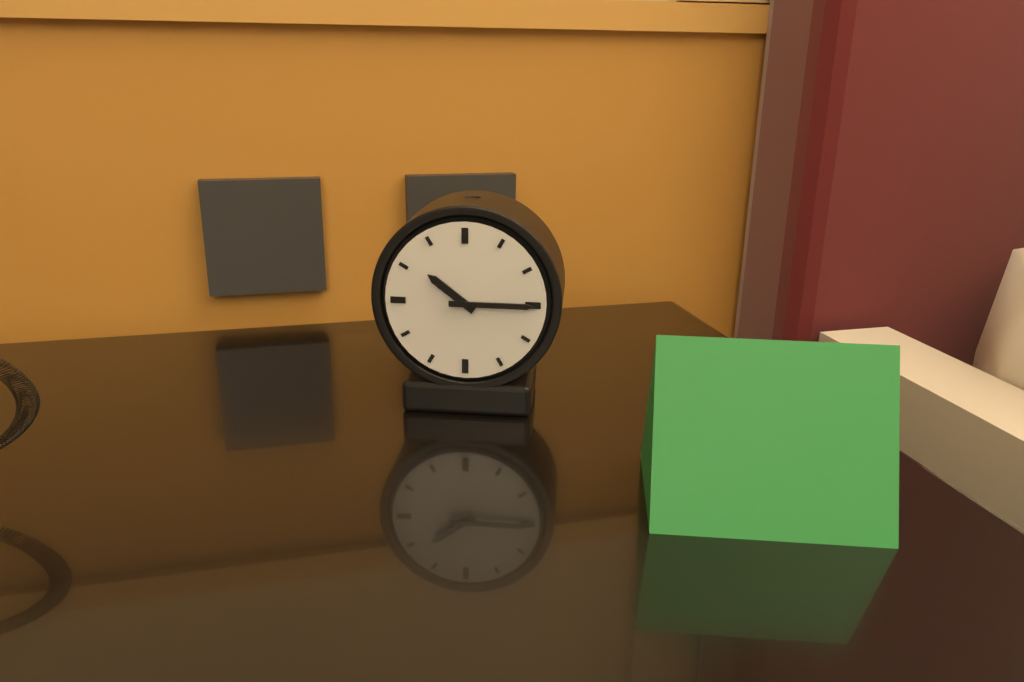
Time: 10h15
